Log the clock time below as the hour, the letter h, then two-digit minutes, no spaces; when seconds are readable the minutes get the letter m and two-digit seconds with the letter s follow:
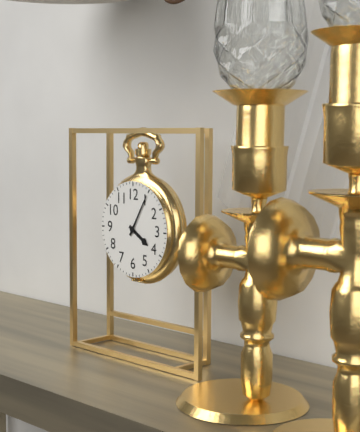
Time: 4h05
